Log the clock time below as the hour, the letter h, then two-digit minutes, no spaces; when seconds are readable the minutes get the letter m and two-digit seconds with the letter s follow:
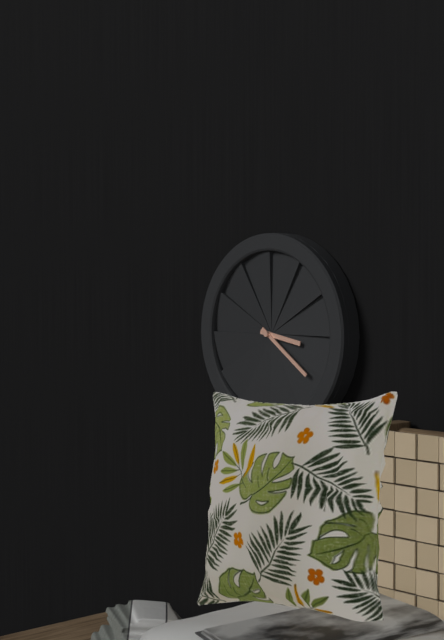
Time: 3h21
